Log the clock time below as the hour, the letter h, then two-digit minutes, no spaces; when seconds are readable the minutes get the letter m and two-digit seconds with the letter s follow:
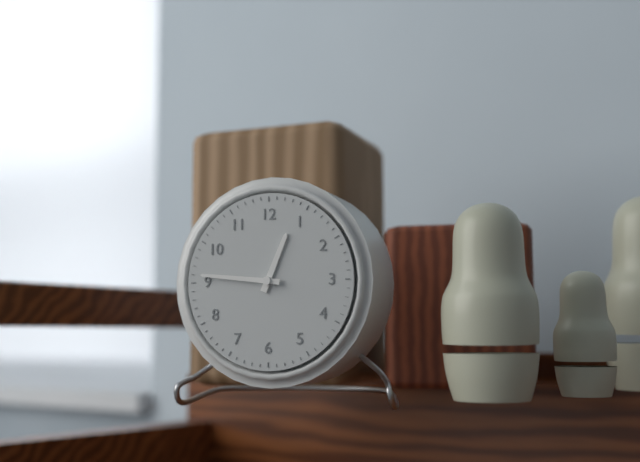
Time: 12h46
